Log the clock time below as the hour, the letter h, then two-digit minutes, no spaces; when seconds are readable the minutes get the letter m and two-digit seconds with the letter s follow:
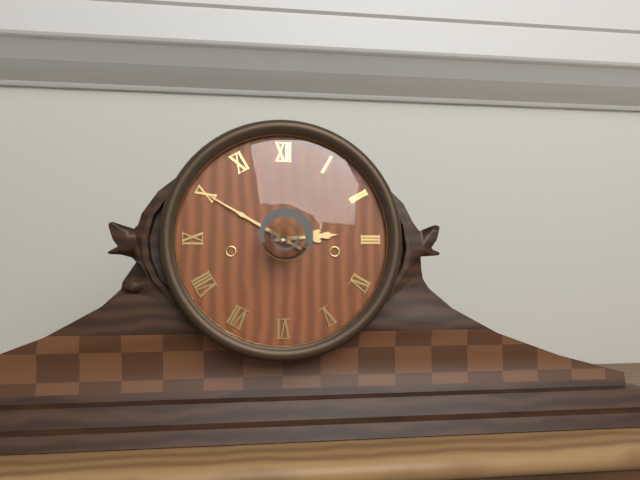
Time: 2h50
